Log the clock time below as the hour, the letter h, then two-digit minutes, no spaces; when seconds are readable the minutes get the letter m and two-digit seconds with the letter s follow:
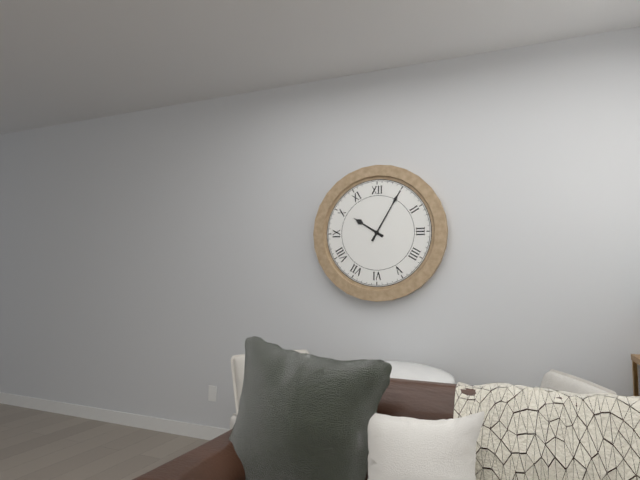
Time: 10h05
